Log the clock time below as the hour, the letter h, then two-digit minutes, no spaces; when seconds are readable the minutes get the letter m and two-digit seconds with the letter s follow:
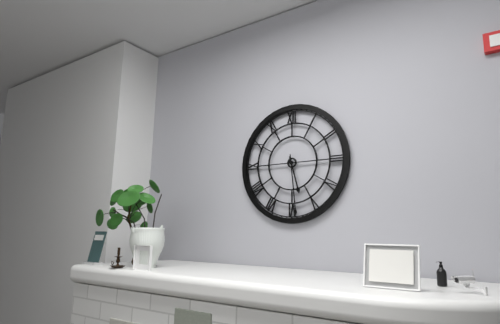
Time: 5h29
